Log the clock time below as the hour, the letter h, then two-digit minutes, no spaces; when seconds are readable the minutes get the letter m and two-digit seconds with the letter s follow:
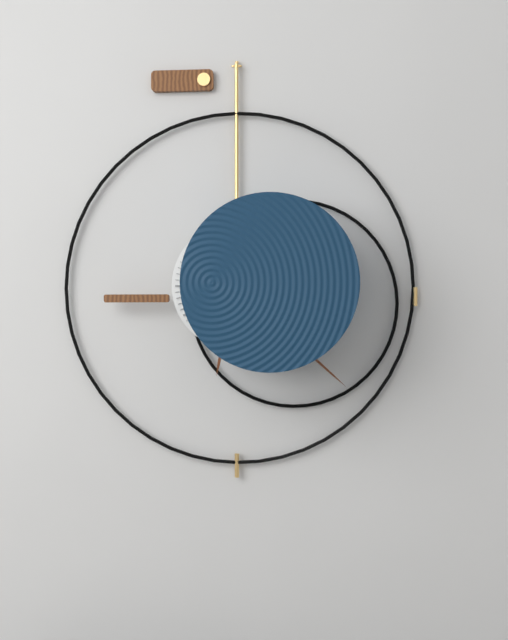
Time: 6h22
